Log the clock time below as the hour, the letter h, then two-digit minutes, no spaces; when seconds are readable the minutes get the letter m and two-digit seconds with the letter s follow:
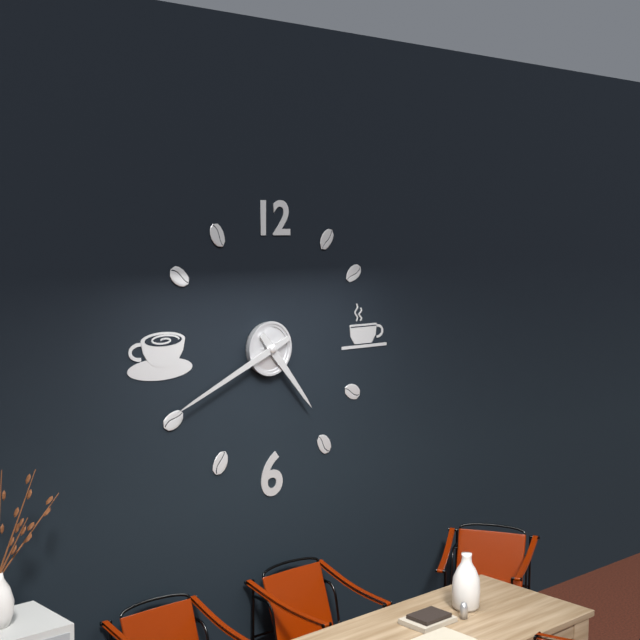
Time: 4h41
